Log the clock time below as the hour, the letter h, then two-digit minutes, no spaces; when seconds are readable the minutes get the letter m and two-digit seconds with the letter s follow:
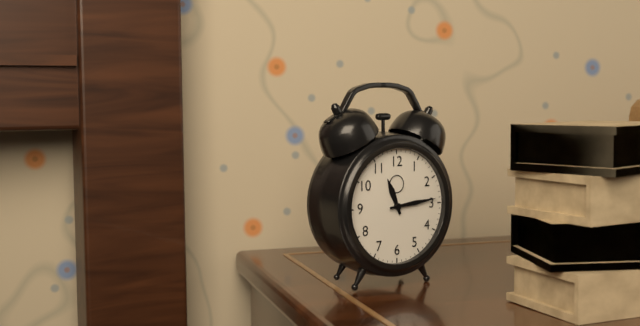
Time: 11h14
